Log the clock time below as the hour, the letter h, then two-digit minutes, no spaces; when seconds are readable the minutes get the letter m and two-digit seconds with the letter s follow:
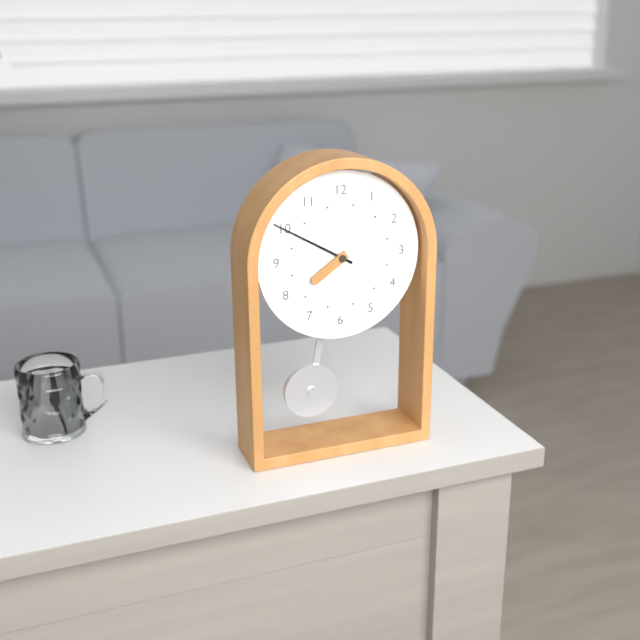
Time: 7h50
